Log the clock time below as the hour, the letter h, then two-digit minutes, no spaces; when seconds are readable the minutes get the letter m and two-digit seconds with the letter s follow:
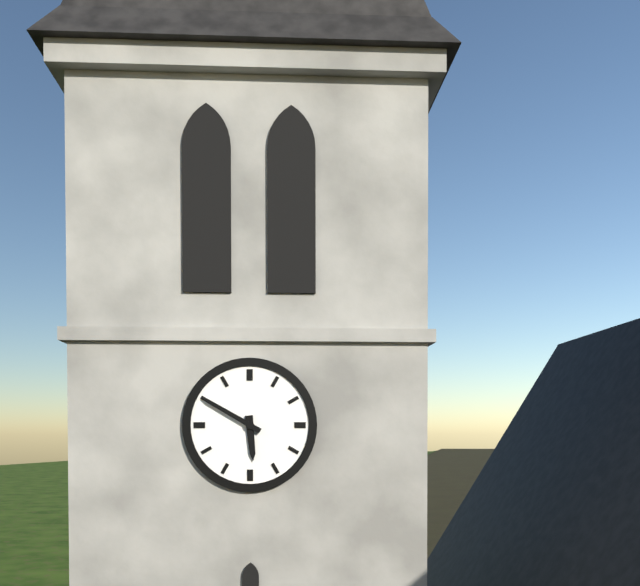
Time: 5h50
